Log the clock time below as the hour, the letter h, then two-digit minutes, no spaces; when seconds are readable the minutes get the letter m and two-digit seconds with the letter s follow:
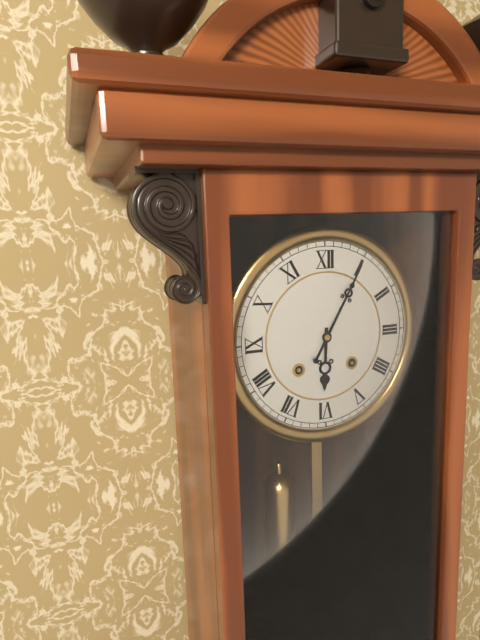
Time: 6h05
